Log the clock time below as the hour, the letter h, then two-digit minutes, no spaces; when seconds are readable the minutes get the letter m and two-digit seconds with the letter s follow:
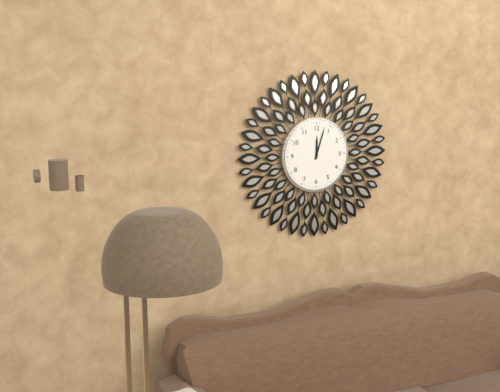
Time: 12h03
